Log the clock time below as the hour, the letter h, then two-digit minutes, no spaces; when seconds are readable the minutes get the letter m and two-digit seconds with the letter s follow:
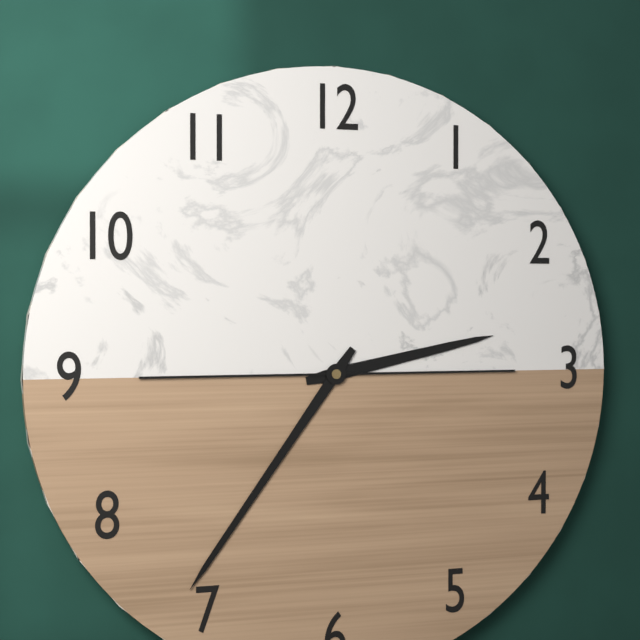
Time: 2h36
